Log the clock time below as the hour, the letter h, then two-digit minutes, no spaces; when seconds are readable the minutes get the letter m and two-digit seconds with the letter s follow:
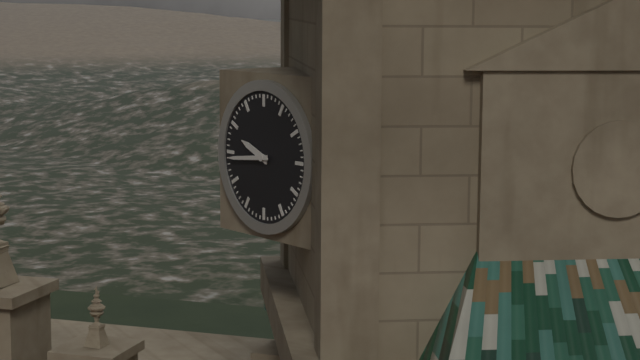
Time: 9h44
